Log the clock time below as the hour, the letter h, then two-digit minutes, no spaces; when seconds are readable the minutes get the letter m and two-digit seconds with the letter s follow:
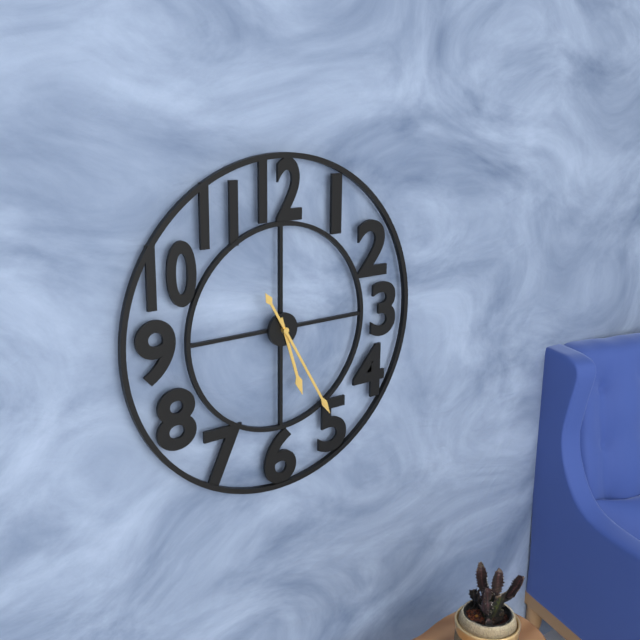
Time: 5h25
